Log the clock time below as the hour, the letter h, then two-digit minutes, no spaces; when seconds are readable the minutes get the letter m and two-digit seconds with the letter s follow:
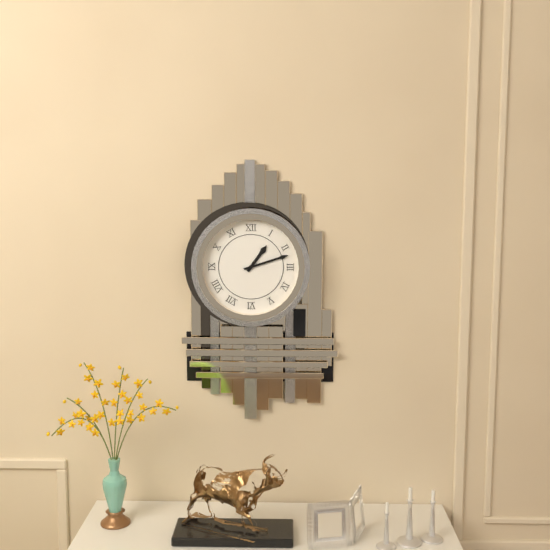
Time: 1h12
